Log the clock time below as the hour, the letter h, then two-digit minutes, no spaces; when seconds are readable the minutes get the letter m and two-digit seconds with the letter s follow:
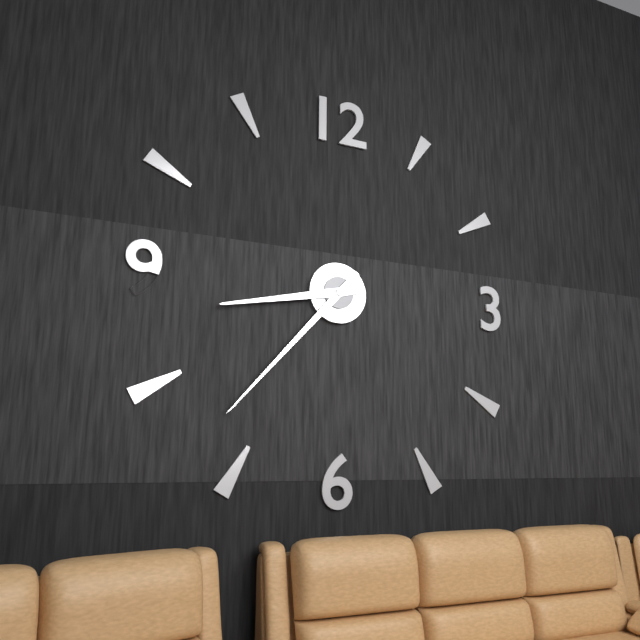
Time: 8h37
